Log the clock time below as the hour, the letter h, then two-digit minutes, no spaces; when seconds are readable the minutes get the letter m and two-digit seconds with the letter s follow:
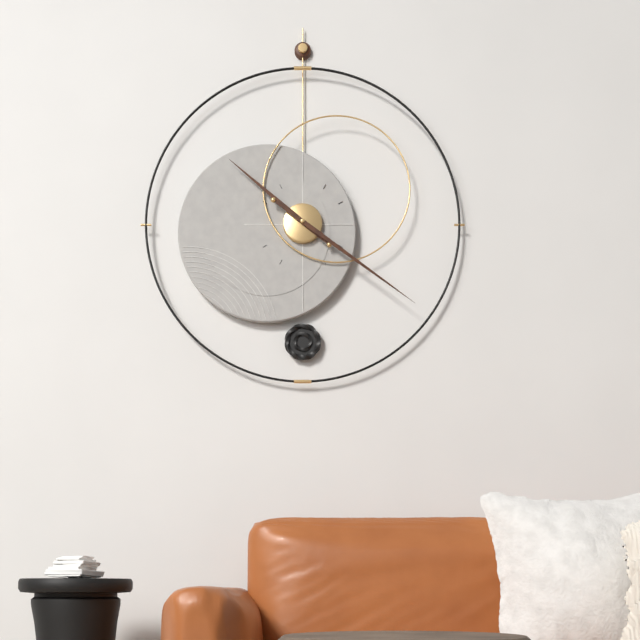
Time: 10h21
